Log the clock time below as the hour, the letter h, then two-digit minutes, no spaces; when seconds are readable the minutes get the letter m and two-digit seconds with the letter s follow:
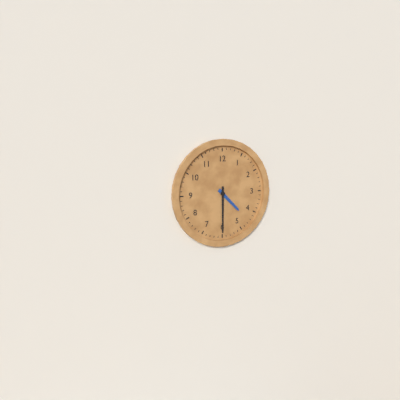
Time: 4h30
